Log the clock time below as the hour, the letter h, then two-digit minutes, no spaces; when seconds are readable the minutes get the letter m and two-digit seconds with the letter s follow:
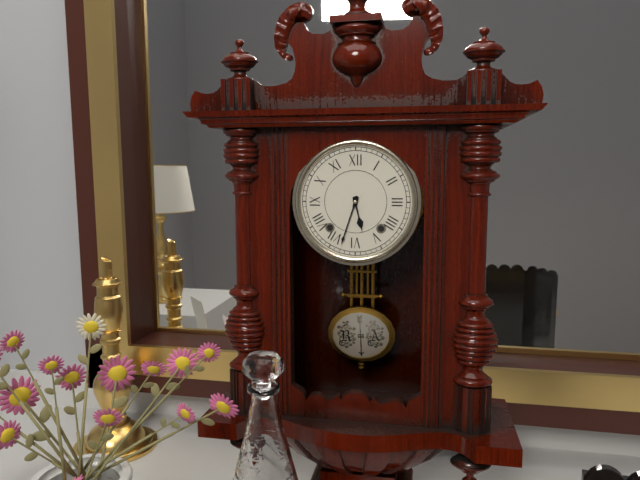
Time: 5h33
